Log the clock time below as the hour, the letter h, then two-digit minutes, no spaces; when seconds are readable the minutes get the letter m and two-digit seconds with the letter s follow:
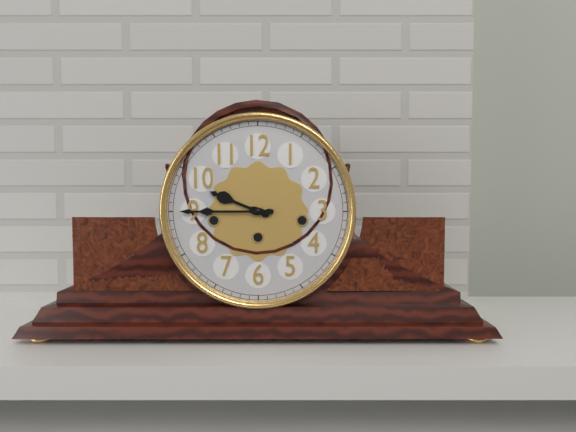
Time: 9h45
